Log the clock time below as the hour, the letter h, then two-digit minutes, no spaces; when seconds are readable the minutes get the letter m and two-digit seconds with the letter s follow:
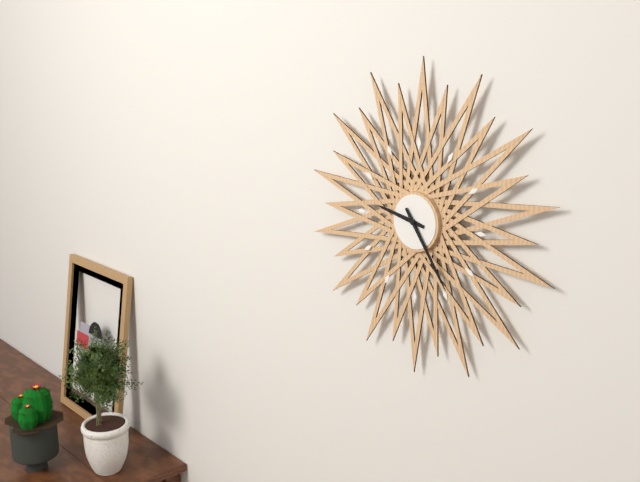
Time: 9h24
